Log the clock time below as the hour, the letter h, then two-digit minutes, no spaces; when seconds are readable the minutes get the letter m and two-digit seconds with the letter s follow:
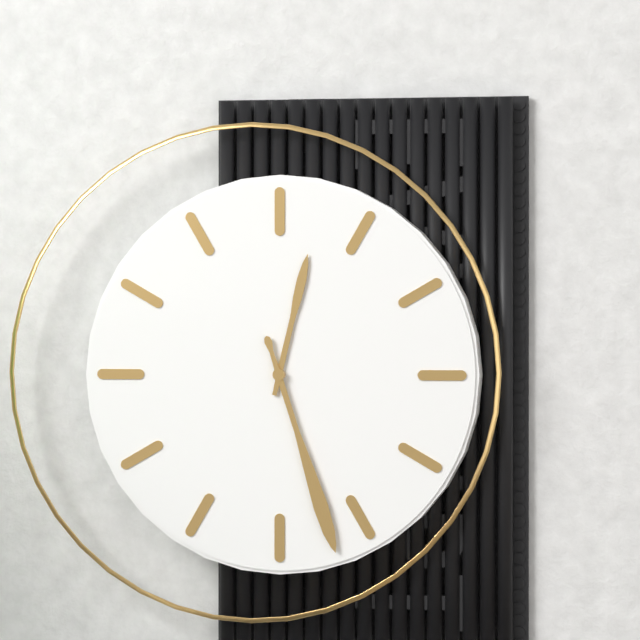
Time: 12h27
